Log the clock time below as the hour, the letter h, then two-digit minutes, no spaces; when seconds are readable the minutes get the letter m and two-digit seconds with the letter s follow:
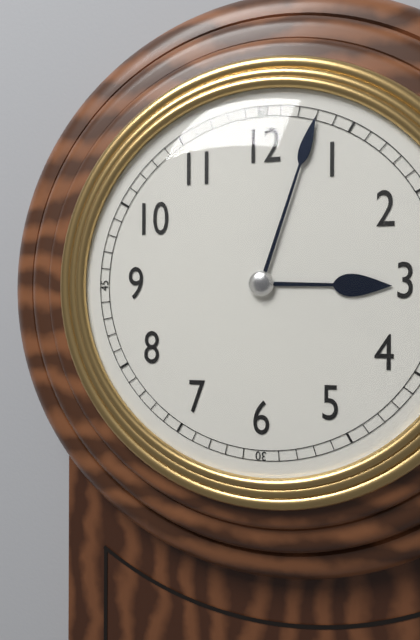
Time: 3h03
